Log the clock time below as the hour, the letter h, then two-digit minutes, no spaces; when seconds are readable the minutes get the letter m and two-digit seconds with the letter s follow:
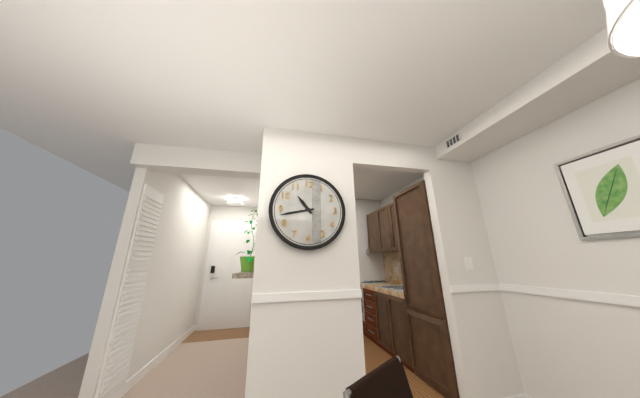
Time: 10h43
